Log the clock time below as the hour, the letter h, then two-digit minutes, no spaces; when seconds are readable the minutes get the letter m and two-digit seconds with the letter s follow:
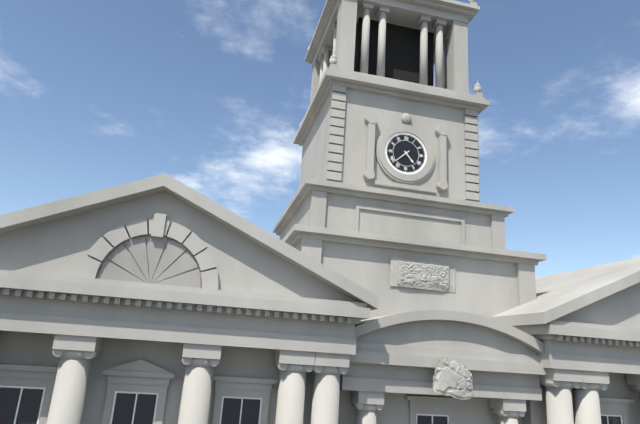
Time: 4h38
